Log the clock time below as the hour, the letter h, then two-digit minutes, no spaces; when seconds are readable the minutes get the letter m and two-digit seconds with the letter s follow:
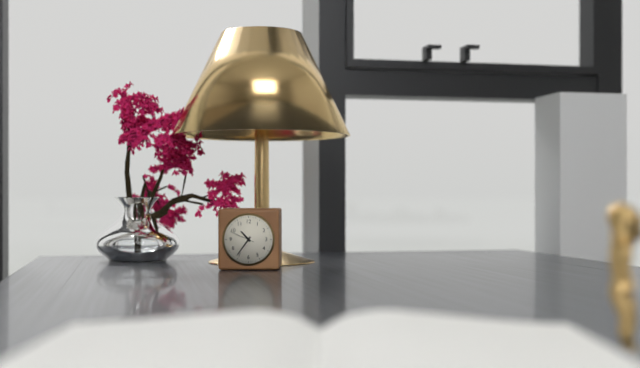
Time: 10h36
